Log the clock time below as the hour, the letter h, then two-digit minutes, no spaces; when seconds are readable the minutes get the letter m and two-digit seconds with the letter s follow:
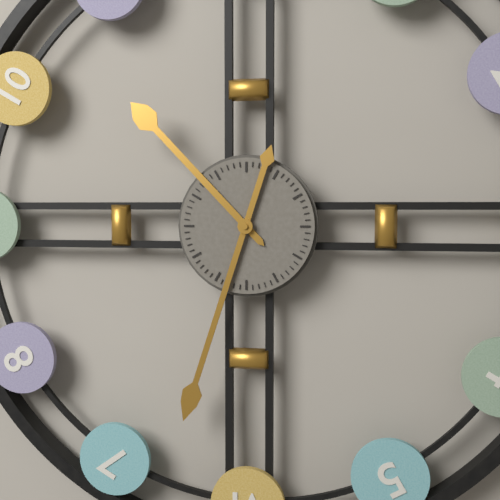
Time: 10h33
